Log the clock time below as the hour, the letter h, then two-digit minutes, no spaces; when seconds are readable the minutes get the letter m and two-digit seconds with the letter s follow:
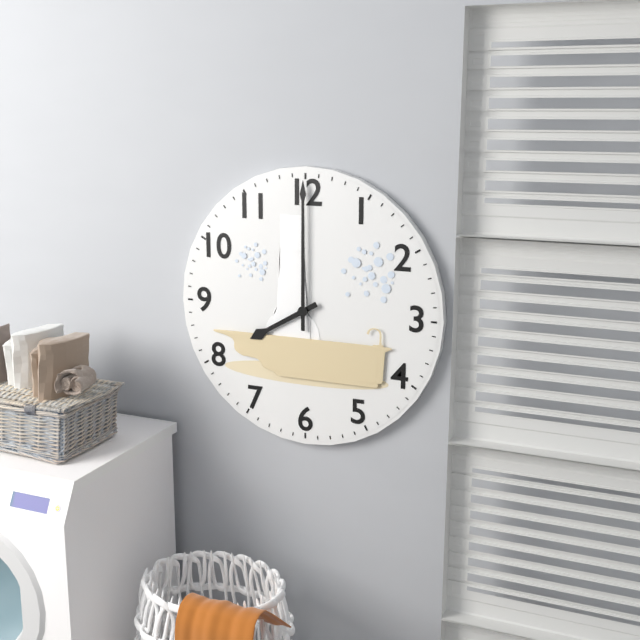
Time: 8h00
